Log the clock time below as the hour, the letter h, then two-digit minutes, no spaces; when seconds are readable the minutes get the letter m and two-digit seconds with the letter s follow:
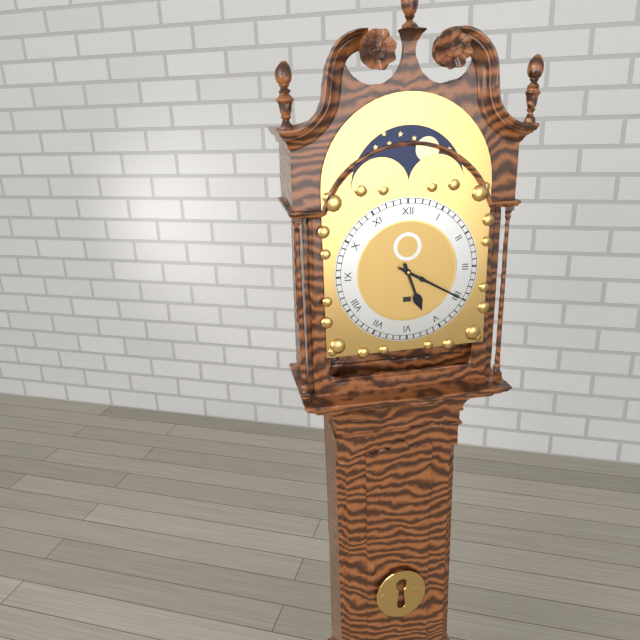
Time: 5h20
